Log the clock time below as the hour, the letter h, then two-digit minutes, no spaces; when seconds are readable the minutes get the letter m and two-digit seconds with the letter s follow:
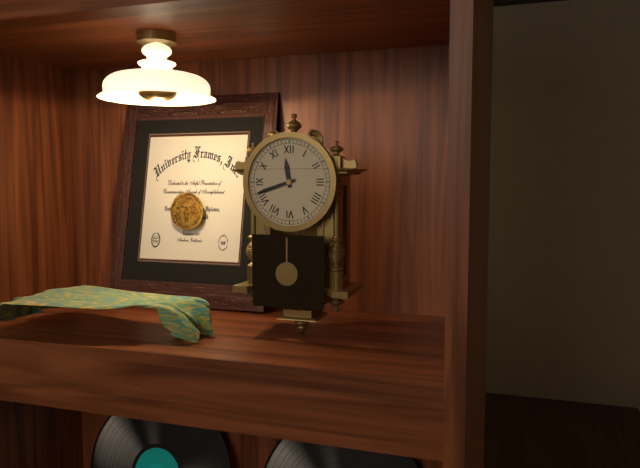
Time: 11h42
